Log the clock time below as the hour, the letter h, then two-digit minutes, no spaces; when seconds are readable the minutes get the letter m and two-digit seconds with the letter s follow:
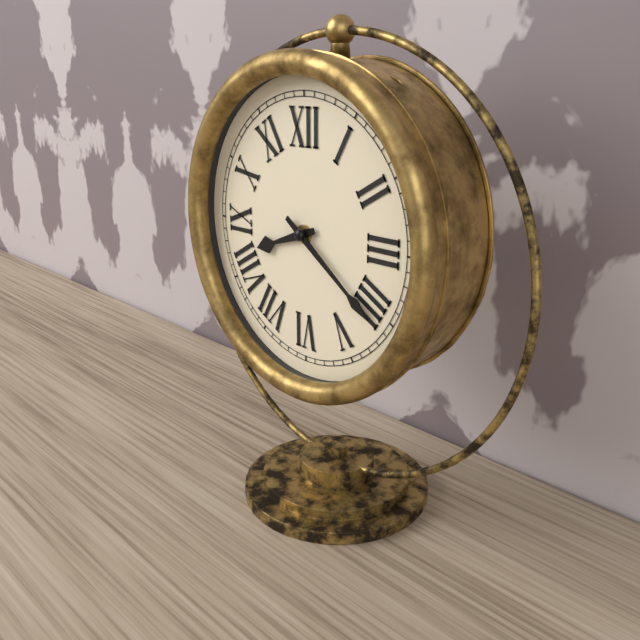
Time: 8h21
